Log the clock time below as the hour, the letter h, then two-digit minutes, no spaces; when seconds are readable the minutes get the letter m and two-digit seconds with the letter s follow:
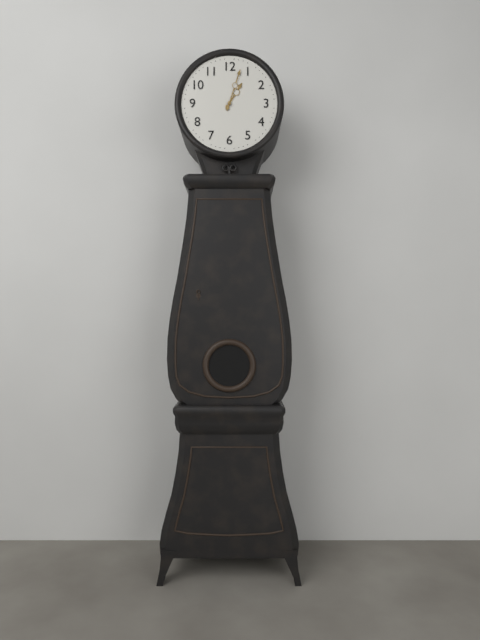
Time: 1h03
